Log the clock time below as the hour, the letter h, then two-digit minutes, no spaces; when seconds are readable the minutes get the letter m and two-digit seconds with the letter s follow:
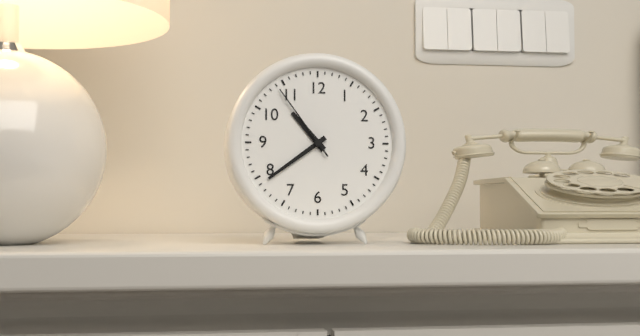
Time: 10h39m54s
